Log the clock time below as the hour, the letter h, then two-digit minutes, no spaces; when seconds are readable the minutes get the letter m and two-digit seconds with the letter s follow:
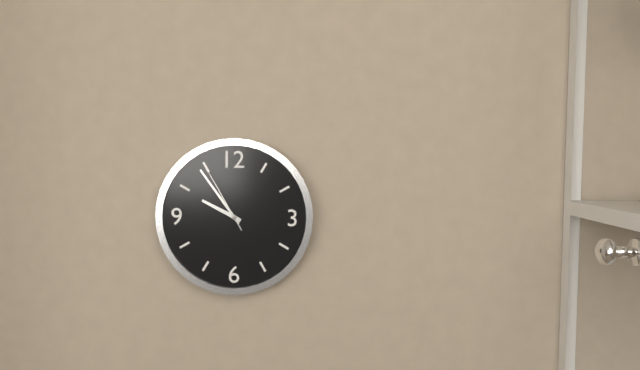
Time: 9h54m55s
